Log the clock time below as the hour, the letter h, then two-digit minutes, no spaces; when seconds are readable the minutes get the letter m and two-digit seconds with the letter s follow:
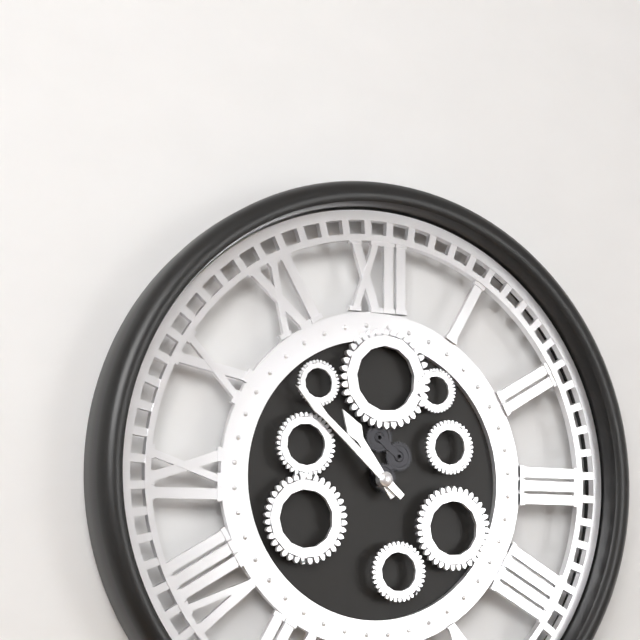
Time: 10h52
